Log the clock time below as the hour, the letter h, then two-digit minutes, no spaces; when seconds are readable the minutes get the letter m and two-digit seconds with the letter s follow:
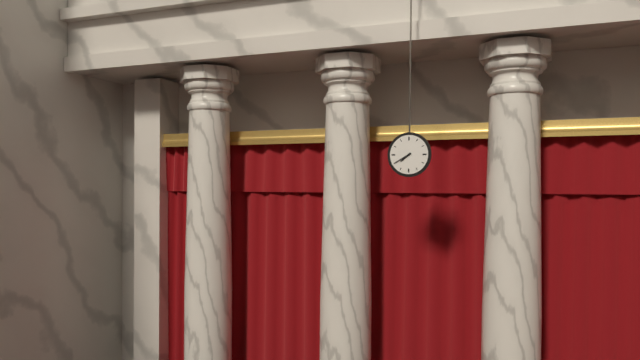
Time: 7h40
